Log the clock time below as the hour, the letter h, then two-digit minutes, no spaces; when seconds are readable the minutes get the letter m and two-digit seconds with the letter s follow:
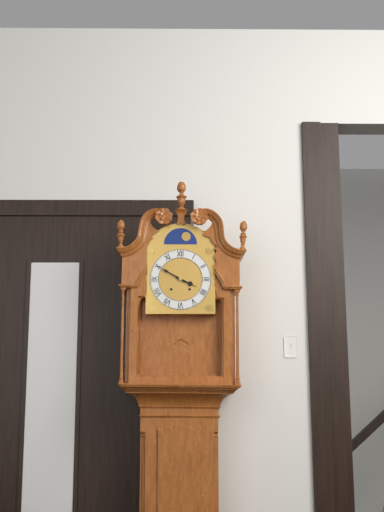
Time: 3h50
